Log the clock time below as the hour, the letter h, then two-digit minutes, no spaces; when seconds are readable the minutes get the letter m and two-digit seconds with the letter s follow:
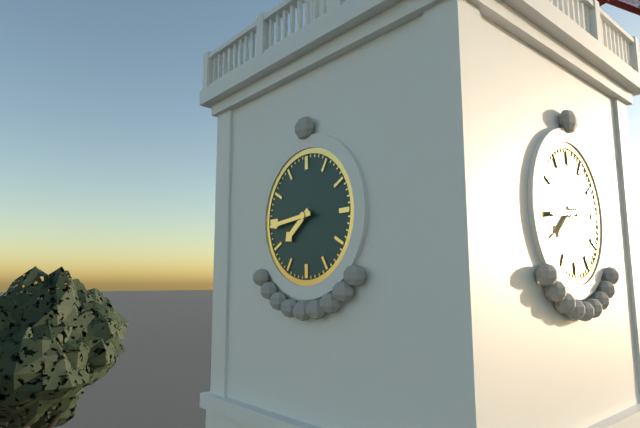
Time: 7h44
